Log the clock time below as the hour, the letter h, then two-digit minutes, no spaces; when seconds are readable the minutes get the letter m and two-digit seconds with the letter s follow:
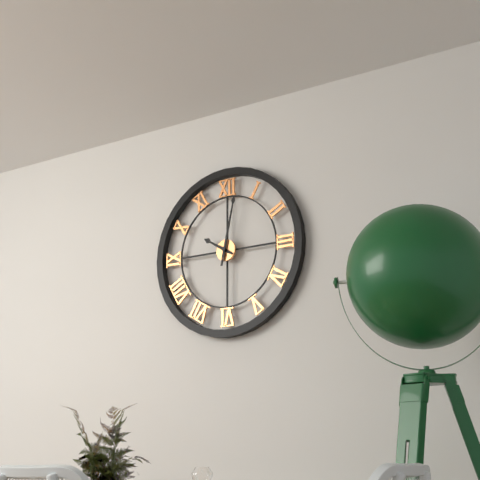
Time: 10h02
